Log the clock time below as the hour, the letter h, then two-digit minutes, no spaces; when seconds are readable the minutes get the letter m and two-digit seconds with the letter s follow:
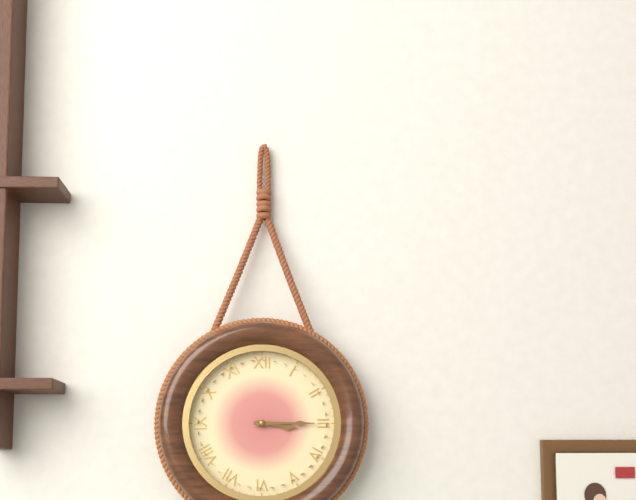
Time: 3h15
